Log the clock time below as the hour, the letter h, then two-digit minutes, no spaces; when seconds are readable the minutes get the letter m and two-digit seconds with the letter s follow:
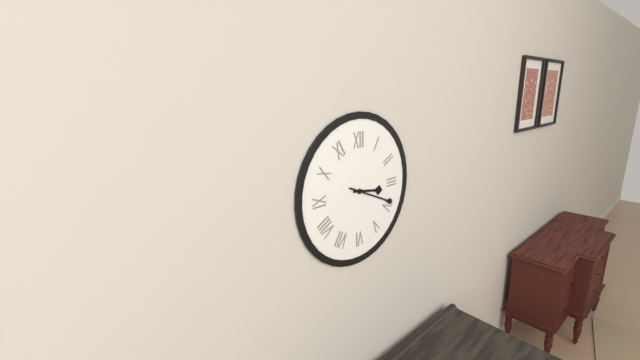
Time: 3h19
